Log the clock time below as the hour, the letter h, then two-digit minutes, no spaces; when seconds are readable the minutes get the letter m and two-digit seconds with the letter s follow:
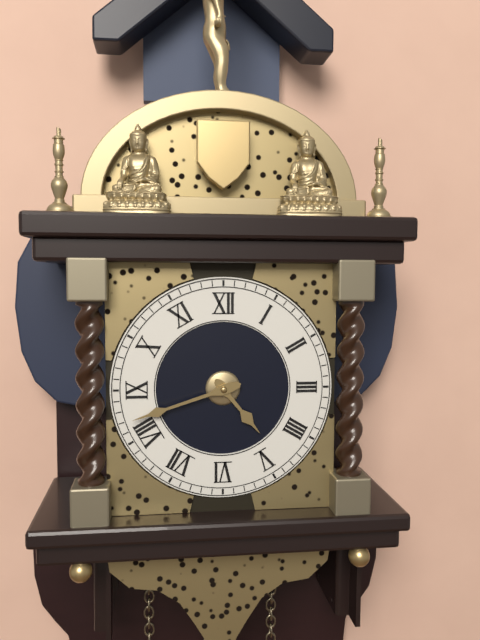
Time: 4h42
